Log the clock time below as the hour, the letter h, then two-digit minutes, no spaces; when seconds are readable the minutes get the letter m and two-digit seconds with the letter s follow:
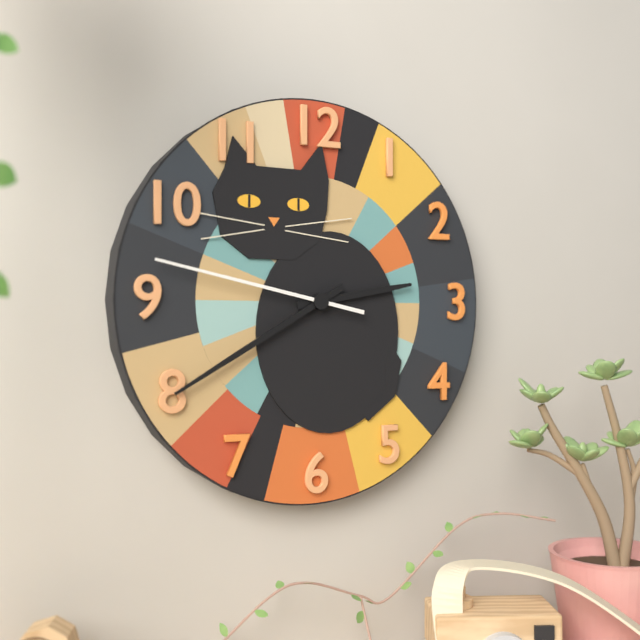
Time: 2h40m47s
